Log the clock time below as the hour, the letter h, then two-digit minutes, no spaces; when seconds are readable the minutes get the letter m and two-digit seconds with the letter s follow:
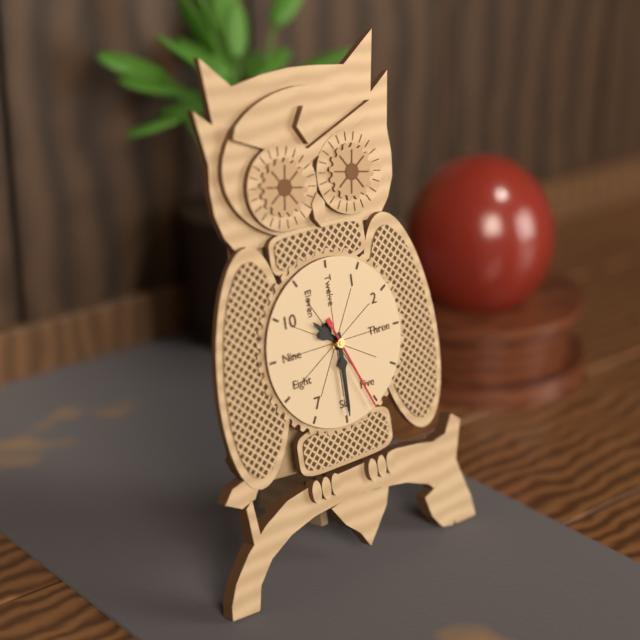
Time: 10h30m26s
